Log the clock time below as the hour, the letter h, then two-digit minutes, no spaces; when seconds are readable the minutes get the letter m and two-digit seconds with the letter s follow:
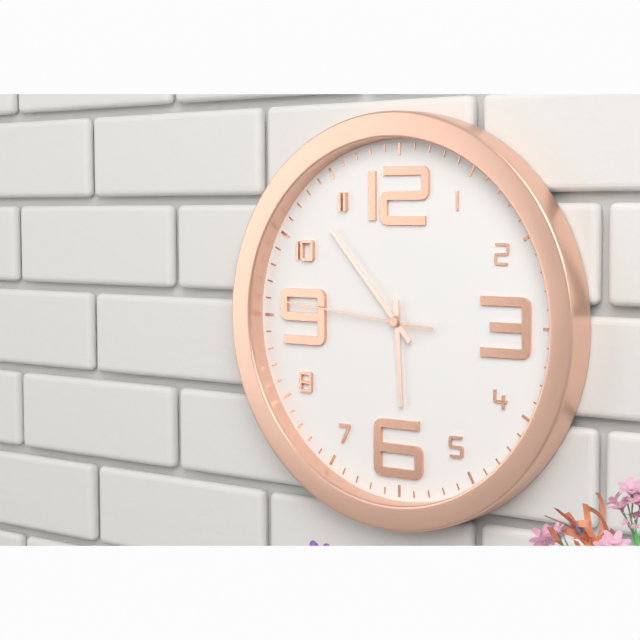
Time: 5h53m46s
